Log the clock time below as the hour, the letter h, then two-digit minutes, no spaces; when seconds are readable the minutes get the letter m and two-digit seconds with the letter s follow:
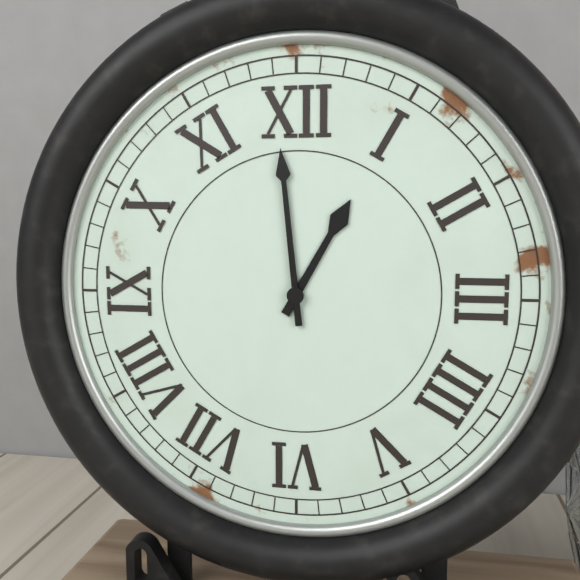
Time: 12h59
